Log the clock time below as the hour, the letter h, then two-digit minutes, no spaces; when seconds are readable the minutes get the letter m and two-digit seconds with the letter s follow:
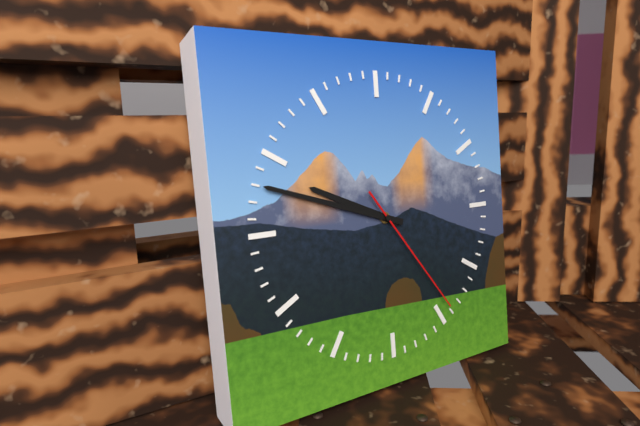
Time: 9h48m24s
